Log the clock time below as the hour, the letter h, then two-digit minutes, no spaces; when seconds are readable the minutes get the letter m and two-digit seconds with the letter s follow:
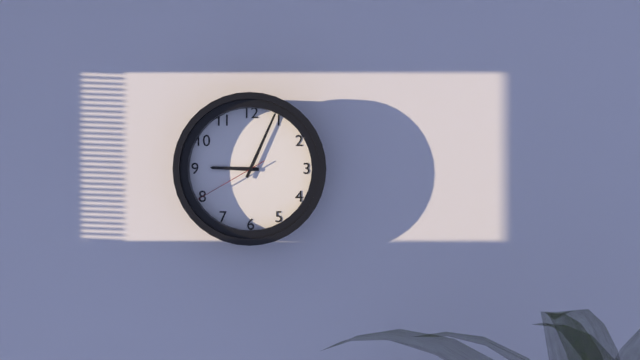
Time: 9h04m40s
